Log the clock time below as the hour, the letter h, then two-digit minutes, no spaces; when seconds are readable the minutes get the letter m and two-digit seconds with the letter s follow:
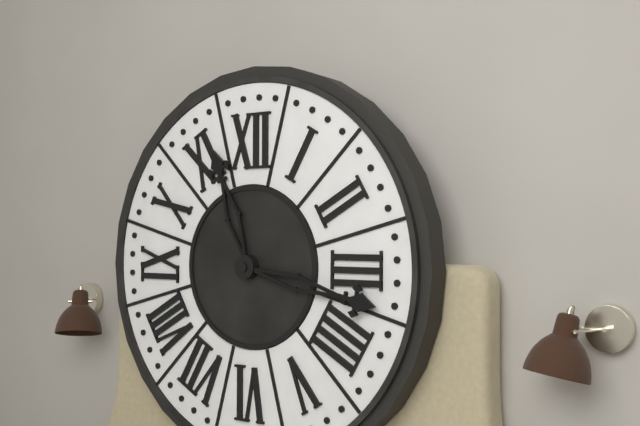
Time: 11h17
